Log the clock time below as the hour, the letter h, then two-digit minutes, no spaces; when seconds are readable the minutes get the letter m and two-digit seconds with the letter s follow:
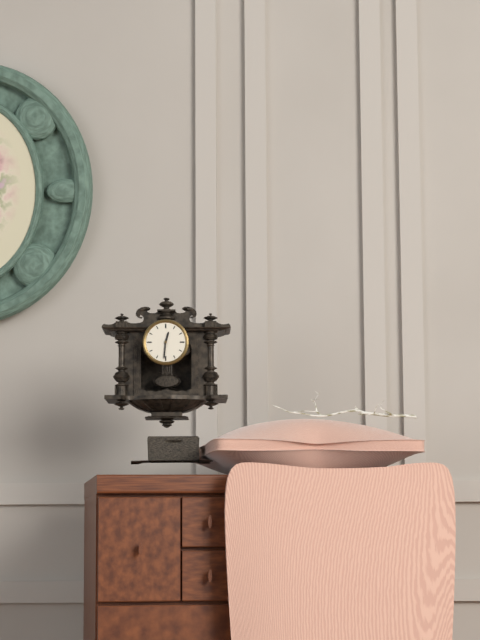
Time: 12h31
